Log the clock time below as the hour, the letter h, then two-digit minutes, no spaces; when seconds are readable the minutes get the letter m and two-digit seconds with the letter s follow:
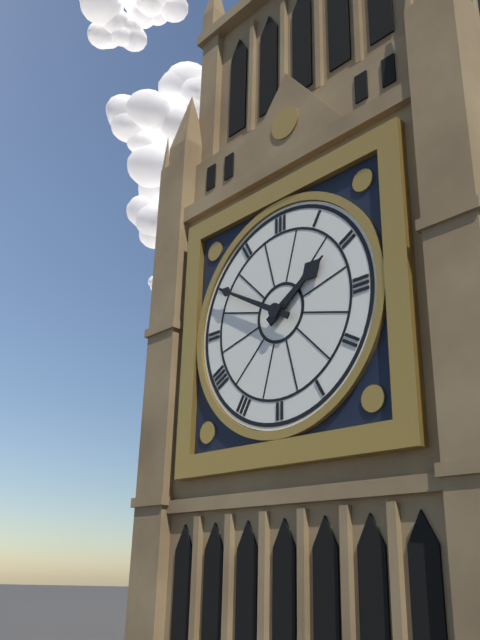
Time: 1h50
